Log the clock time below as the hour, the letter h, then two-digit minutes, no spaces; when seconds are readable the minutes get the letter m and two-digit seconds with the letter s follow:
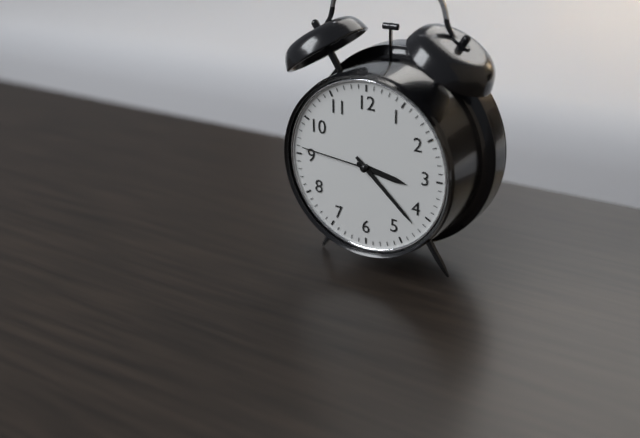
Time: 3h22m46s
